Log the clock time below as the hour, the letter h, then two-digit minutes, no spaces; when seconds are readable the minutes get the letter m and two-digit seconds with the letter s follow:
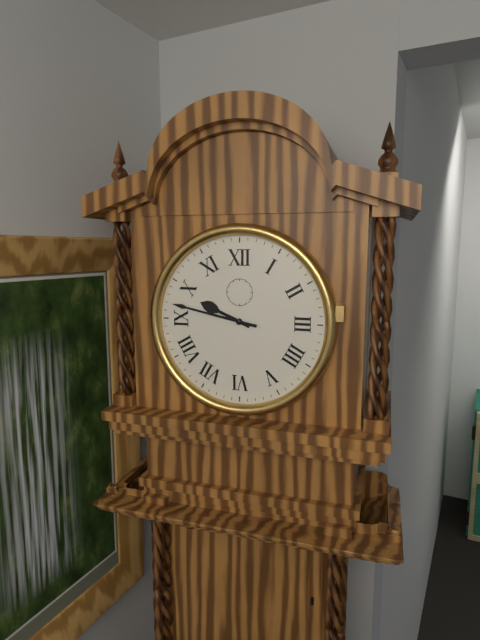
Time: 9h47
